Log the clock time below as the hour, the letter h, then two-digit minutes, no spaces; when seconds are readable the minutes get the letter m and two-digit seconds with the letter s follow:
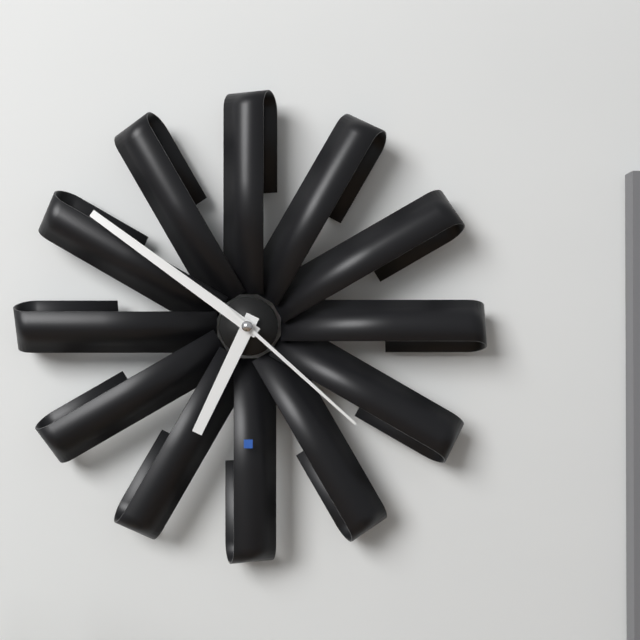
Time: 6h51m22s
